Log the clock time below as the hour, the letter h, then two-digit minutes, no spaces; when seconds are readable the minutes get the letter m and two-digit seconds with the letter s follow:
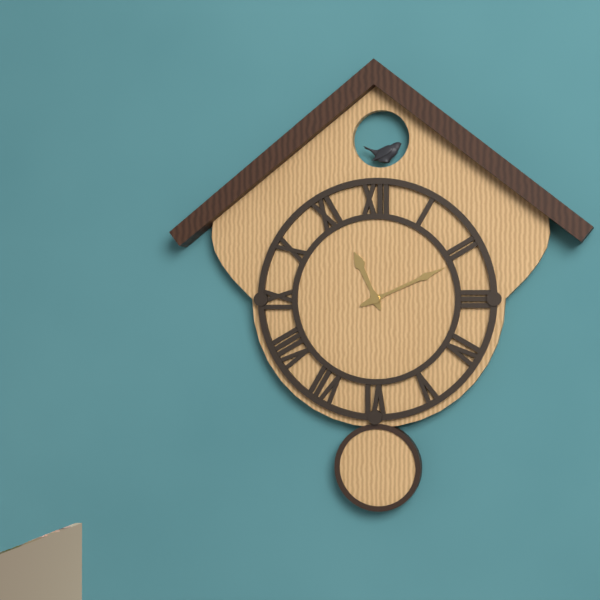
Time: 11h11
